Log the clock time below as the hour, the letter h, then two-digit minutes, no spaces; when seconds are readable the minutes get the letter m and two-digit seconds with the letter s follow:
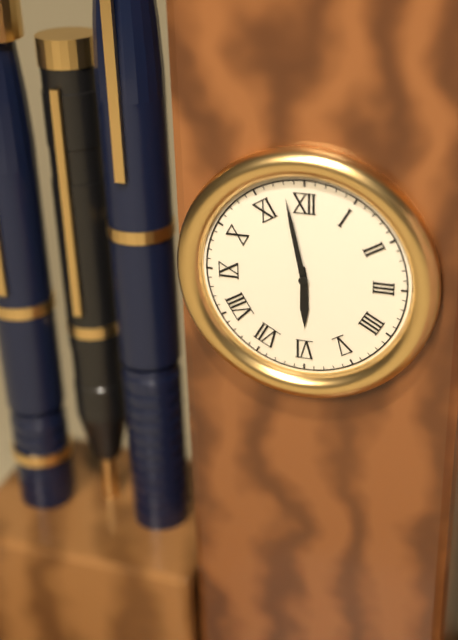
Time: 5h58
